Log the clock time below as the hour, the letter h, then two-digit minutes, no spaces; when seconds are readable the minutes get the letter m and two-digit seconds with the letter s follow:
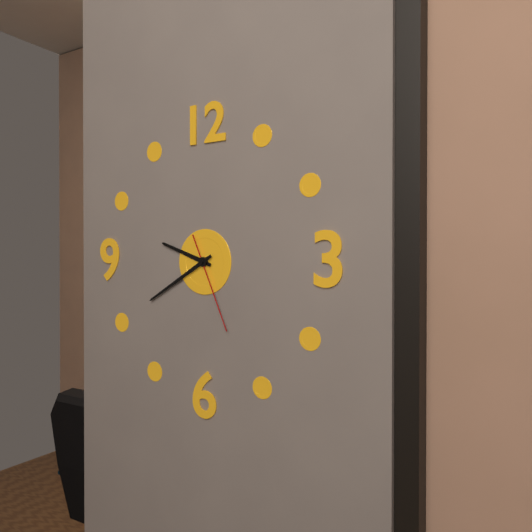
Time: 9h40m26s
